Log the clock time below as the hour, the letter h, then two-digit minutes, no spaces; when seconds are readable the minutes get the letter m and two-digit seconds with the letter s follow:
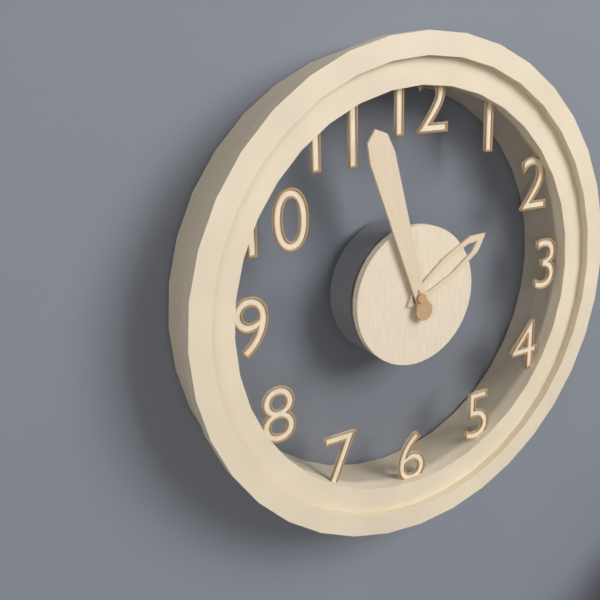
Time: 1h57
